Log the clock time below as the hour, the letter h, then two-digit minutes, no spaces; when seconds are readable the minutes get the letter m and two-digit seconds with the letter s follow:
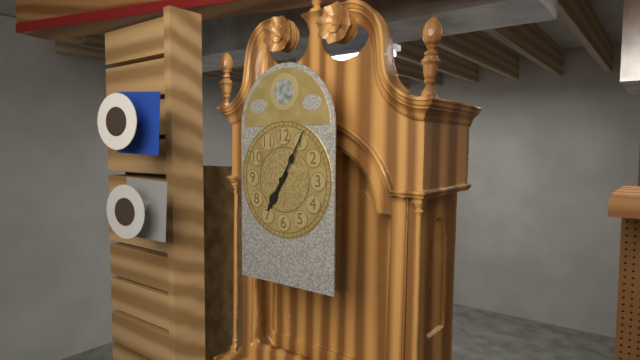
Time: 7h05
